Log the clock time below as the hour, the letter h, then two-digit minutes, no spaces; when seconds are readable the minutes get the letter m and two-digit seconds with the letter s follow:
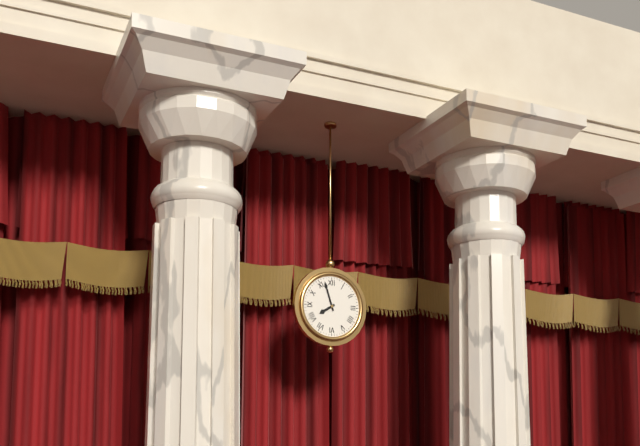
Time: 7h57
